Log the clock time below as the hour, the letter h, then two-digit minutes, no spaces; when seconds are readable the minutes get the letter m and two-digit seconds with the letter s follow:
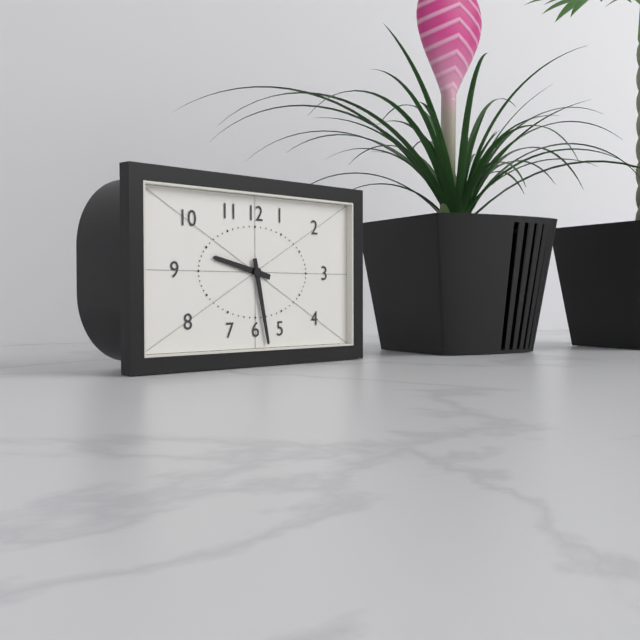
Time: 9h28
